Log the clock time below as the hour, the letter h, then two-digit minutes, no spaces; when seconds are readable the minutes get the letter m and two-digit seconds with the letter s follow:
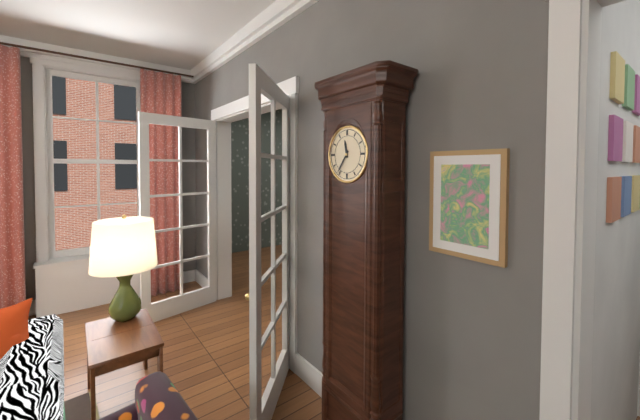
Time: 11h36
